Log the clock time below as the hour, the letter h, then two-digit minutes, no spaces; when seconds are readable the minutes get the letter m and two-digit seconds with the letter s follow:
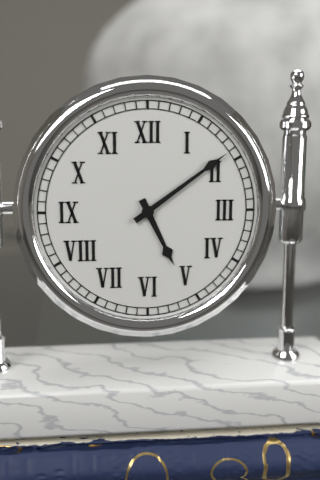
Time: 5h09
